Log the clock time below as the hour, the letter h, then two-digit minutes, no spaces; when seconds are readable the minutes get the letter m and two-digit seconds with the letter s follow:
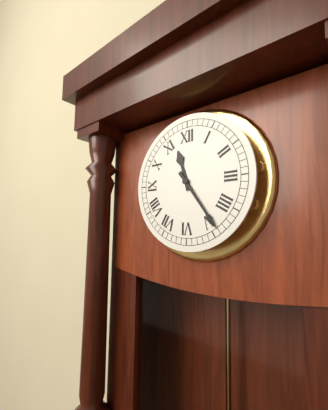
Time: 11h24
